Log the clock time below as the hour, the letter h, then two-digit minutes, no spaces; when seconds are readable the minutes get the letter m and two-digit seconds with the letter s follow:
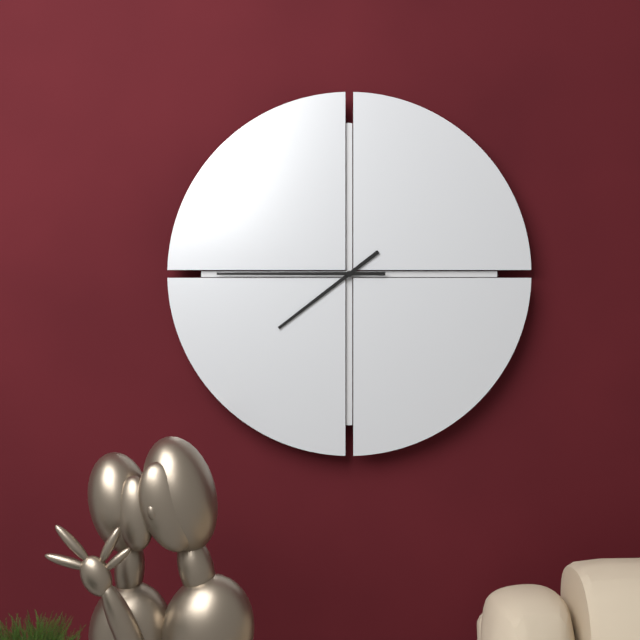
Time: 7h45
